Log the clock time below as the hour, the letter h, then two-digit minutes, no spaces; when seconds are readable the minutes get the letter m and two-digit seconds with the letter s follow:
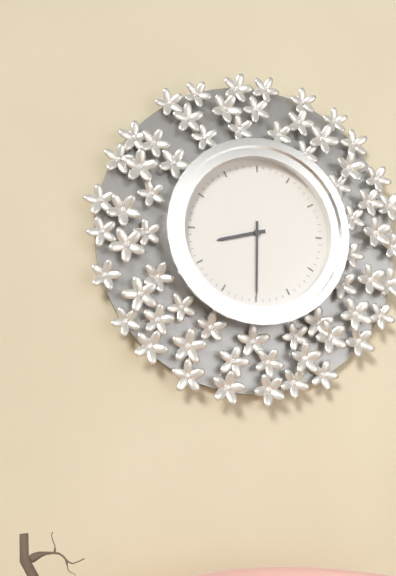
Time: 8h30
